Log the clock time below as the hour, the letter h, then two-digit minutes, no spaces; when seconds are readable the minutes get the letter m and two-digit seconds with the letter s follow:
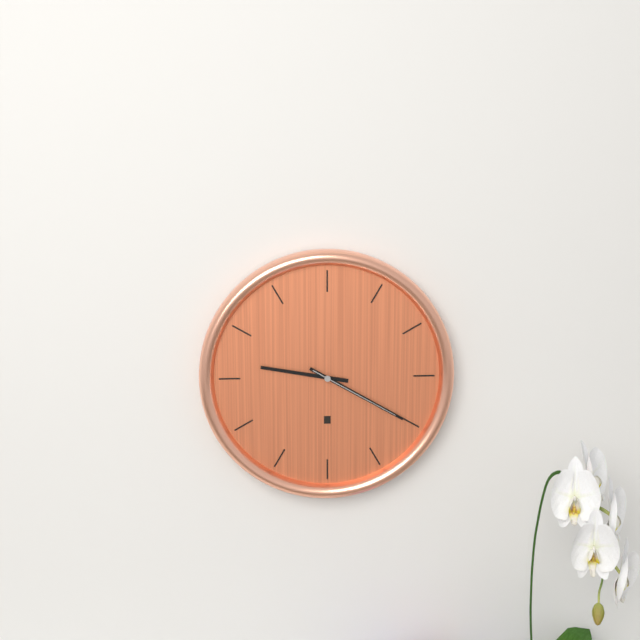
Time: 9h20m20s
